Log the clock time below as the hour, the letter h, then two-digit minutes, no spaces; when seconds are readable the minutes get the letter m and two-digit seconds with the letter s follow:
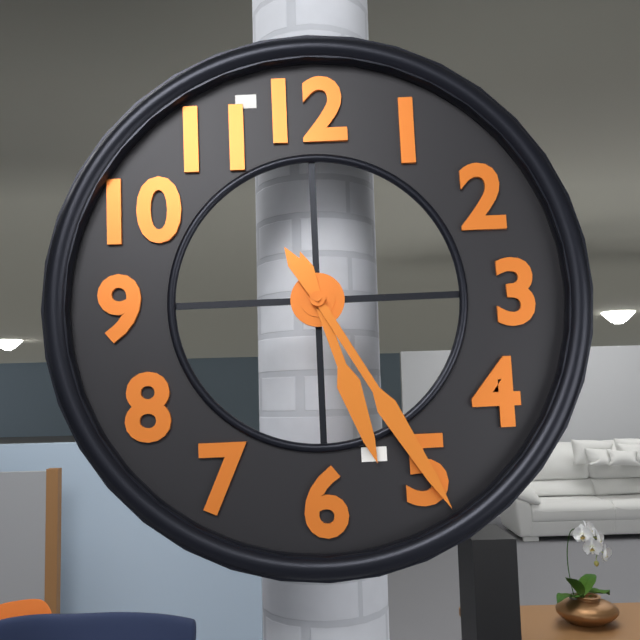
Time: 5h25
